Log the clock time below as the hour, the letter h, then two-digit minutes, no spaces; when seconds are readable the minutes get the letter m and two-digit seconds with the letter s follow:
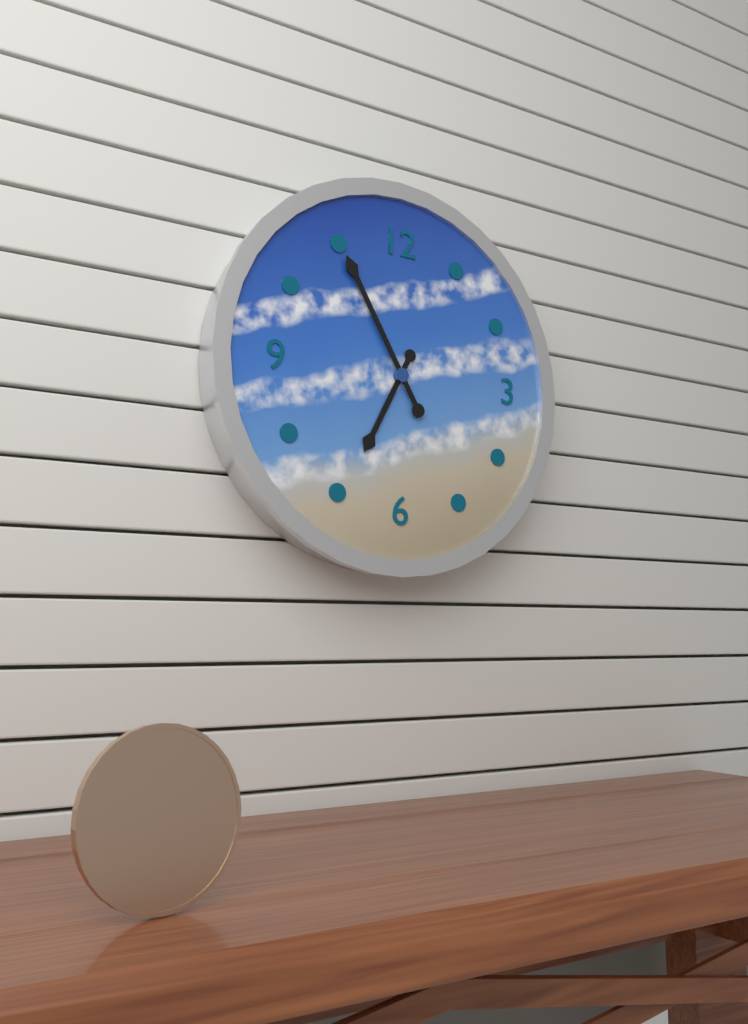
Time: 6h55
